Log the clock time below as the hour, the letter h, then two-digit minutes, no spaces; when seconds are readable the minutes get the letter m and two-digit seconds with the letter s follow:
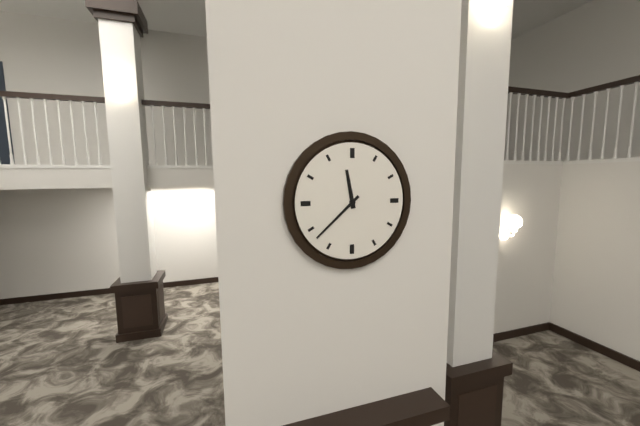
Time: 11h38
